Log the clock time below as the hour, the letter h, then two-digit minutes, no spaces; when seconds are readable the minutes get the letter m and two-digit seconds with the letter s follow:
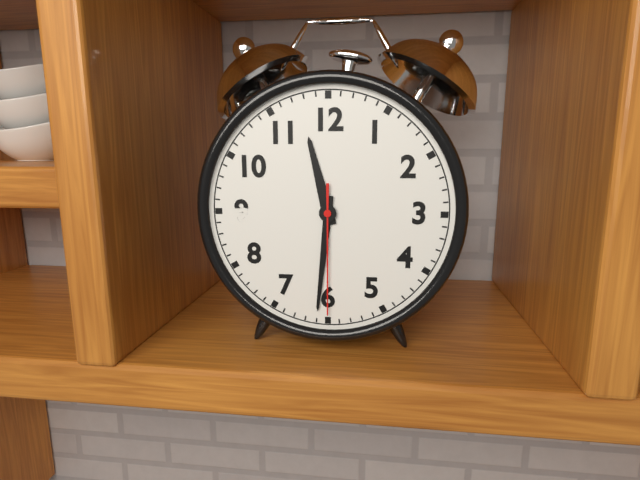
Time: 11h31m30s
